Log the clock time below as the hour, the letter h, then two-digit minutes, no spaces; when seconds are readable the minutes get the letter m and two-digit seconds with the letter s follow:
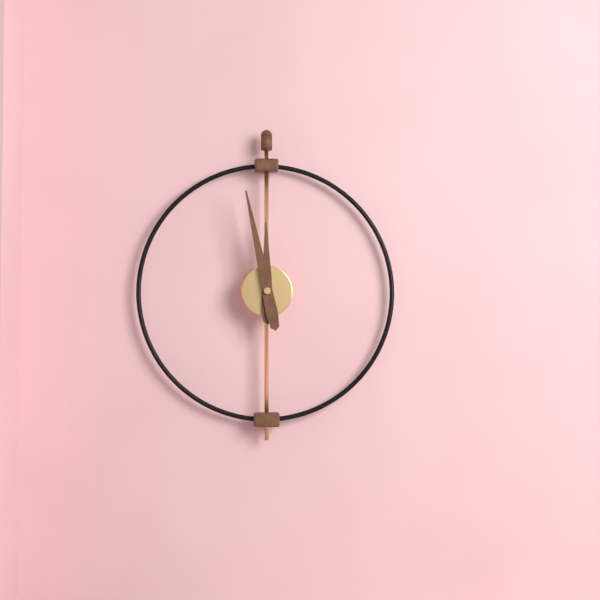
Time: 11h58
